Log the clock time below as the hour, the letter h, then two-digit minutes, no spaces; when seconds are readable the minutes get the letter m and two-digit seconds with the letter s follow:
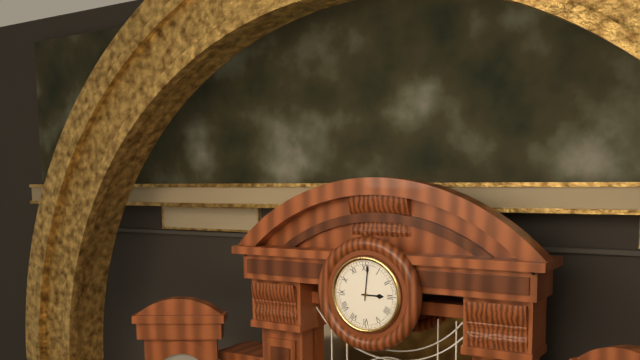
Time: 3h01
